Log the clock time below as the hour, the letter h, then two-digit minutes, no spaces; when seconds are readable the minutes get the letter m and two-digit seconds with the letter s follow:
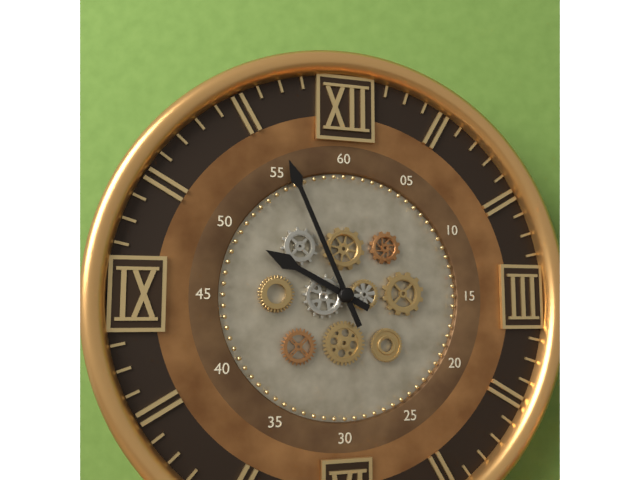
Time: 9h56
